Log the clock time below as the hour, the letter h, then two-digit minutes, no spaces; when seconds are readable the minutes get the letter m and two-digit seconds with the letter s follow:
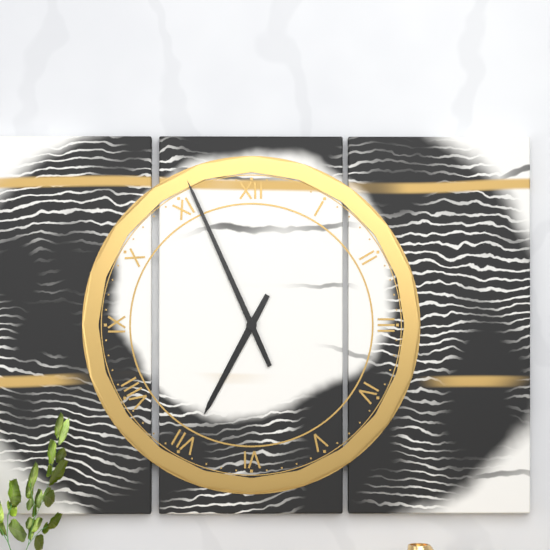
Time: 6h56
